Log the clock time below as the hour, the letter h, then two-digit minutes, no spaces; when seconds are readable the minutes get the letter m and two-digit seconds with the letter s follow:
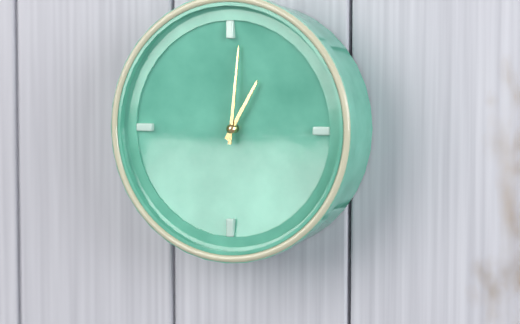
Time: 1h01
